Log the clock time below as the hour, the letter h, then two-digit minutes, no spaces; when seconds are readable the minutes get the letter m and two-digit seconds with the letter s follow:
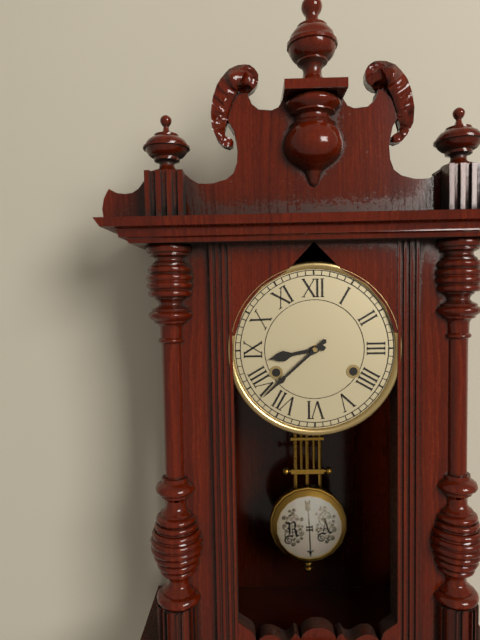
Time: 8h38
